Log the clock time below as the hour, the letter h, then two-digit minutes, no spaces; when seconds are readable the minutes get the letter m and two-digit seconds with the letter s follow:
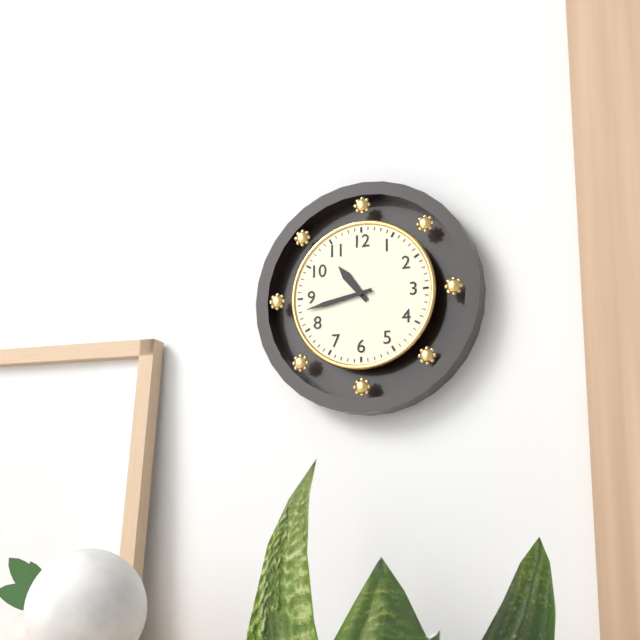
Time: 10h43
